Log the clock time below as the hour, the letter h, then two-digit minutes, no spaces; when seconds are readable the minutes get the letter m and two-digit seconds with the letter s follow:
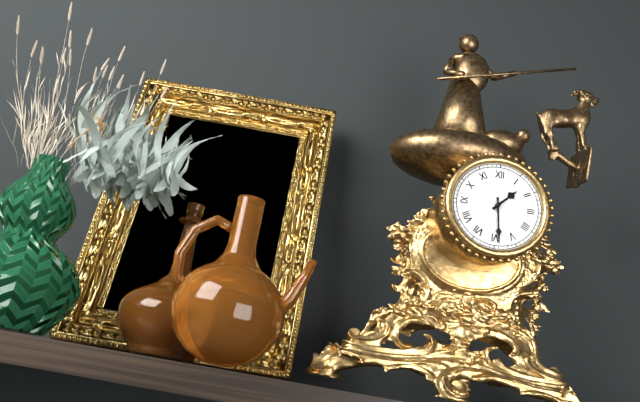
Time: 1h29
